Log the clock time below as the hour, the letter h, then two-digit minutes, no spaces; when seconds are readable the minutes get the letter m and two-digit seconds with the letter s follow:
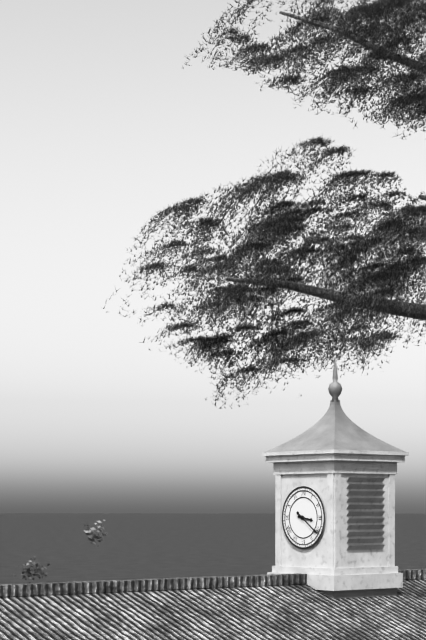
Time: 3h21
